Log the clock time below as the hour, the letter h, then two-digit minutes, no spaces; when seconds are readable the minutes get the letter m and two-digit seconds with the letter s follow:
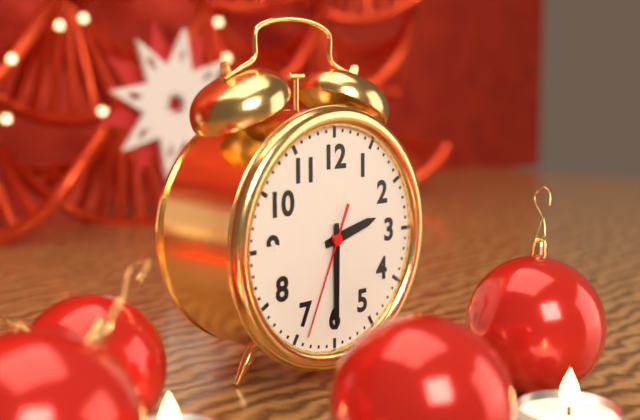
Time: 2h30m34s
